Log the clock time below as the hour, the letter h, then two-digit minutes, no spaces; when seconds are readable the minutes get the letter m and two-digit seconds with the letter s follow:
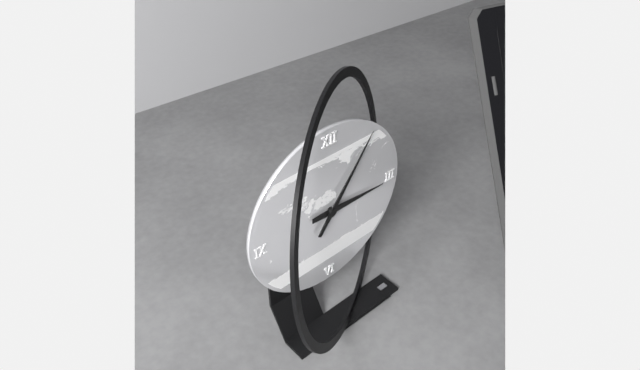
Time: 3h06
